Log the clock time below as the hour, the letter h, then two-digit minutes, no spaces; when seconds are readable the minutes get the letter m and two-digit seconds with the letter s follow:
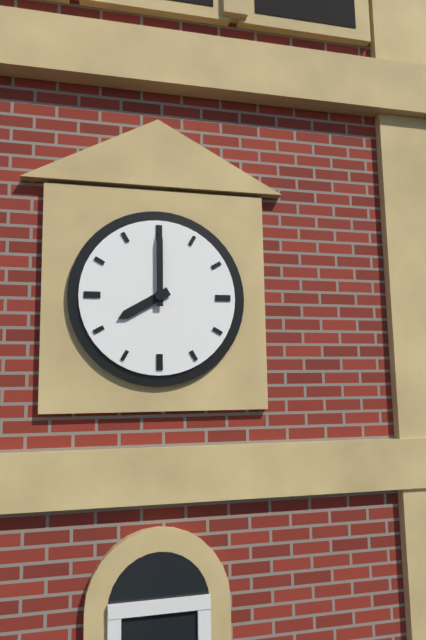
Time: 8h00
